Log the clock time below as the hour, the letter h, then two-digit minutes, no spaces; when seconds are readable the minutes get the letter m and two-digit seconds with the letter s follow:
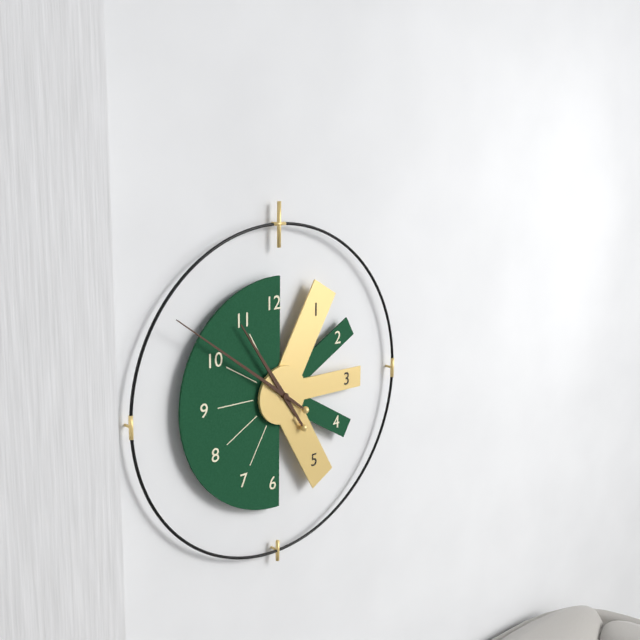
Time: 10h51
